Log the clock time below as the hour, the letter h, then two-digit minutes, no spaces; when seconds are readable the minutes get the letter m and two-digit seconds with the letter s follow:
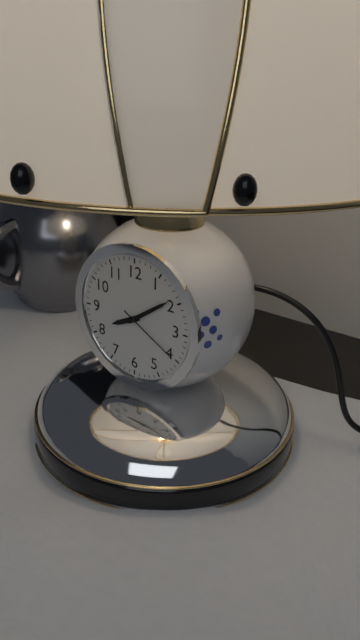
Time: 8h09m20s
